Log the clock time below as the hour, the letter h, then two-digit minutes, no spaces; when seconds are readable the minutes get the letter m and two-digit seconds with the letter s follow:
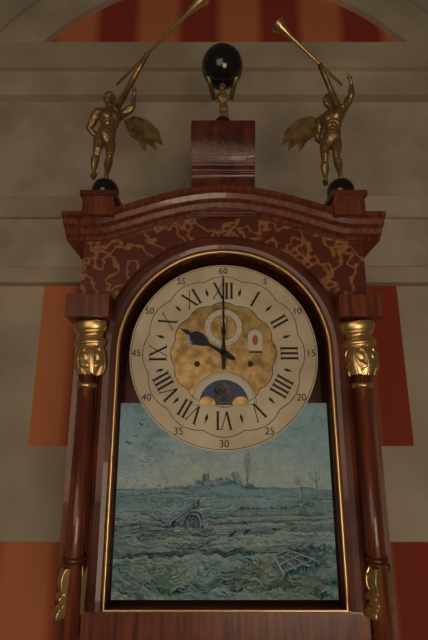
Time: 10h00
